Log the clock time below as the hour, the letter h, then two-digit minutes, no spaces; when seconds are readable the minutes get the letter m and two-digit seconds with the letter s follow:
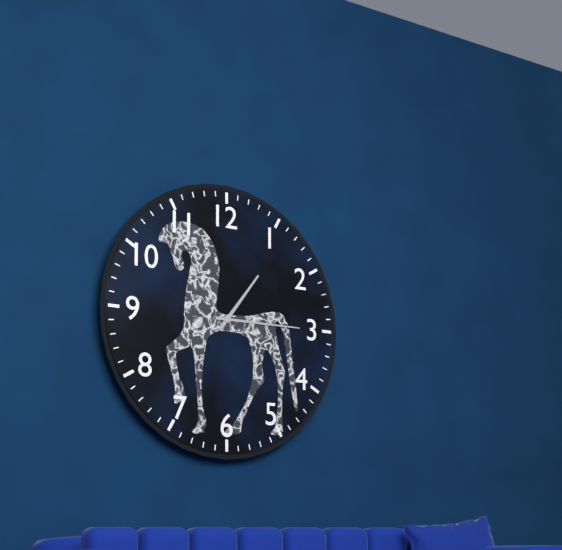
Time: 1h15
